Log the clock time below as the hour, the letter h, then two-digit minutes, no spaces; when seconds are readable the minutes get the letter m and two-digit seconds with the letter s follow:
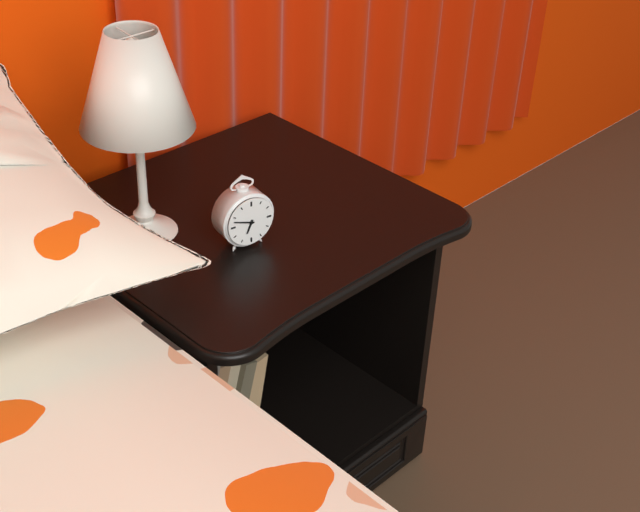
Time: 6h48
